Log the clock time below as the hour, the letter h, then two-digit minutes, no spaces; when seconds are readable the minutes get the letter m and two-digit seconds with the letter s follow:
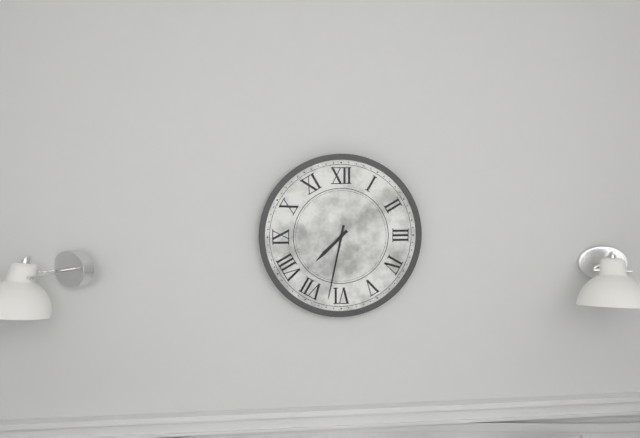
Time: 7h32
